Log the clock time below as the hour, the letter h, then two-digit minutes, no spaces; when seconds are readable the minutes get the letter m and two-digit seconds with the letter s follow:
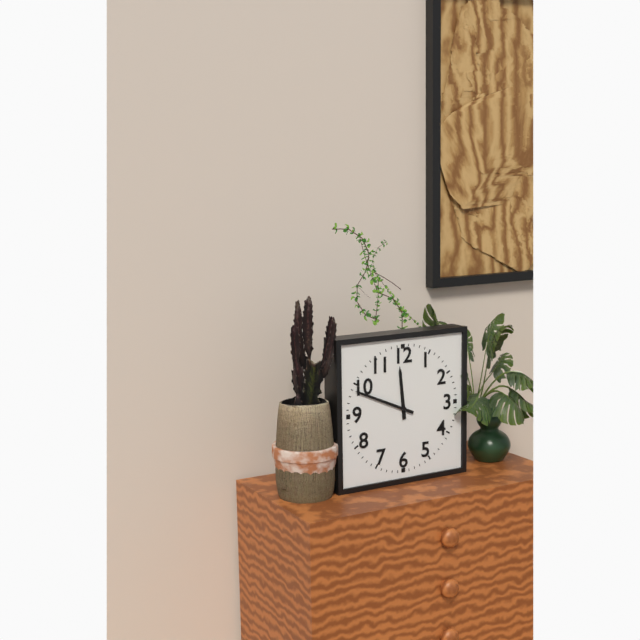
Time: 11h49
